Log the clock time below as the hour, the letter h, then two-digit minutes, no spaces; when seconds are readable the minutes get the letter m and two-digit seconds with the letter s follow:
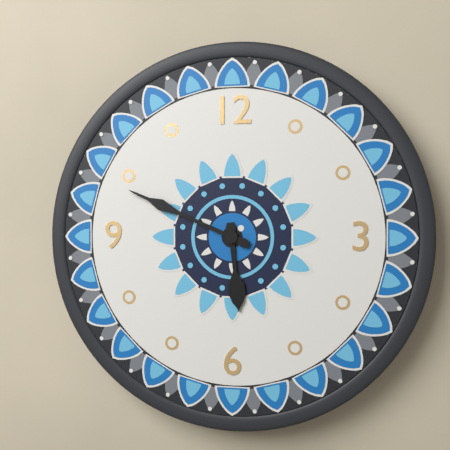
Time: 5h49
